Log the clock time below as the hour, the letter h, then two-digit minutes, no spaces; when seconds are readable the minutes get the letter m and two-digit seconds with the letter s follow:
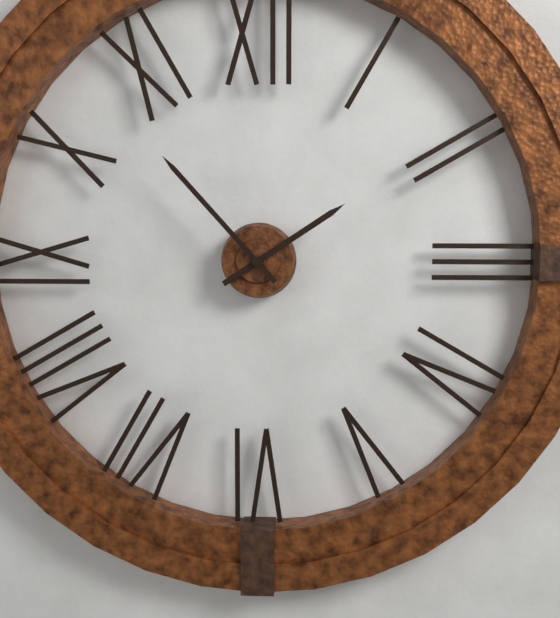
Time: 1h53
